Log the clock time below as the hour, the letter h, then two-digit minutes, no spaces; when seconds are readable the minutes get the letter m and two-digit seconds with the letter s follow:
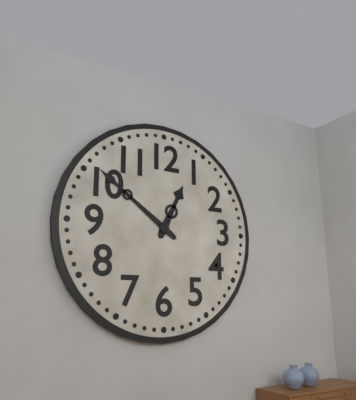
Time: 12h51
